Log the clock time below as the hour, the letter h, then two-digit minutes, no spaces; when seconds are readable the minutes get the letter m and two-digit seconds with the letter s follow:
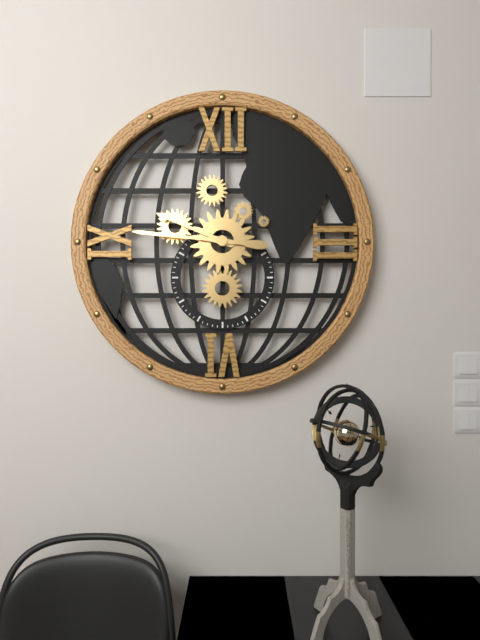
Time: 9h46
